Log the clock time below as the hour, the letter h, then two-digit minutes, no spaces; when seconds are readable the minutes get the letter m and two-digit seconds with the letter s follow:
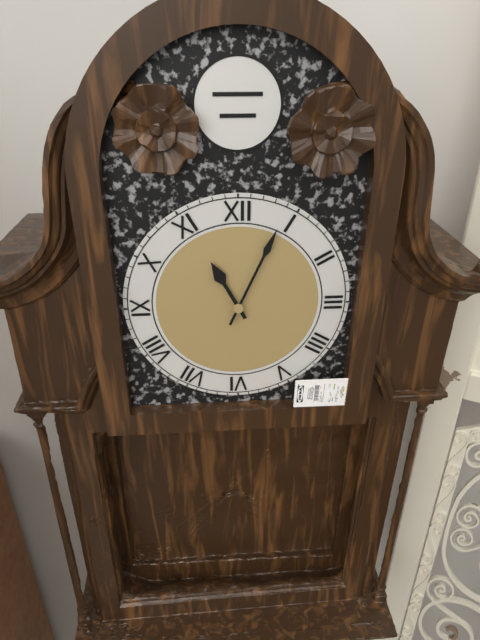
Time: 11h04
